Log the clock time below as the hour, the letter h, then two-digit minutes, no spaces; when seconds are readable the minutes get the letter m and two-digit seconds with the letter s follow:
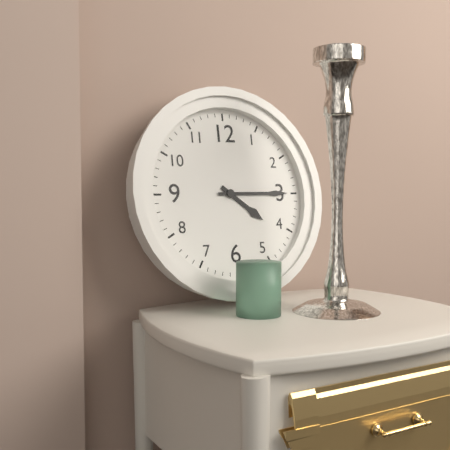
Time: 4h15
